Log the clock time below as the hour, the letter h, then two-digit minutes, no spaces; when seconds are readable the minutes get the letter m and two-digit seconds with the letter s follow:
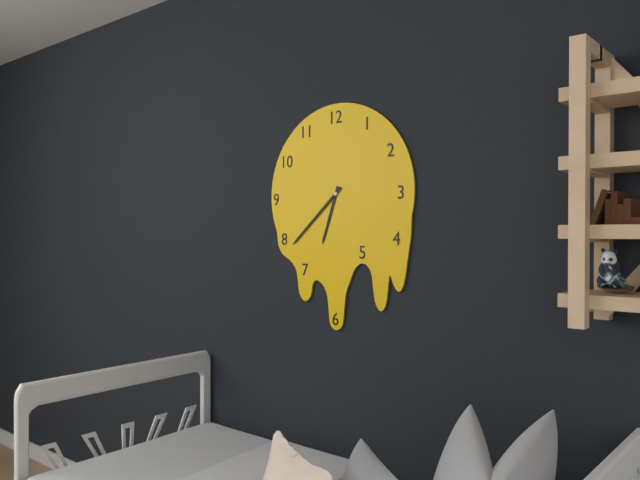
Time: 6h38
